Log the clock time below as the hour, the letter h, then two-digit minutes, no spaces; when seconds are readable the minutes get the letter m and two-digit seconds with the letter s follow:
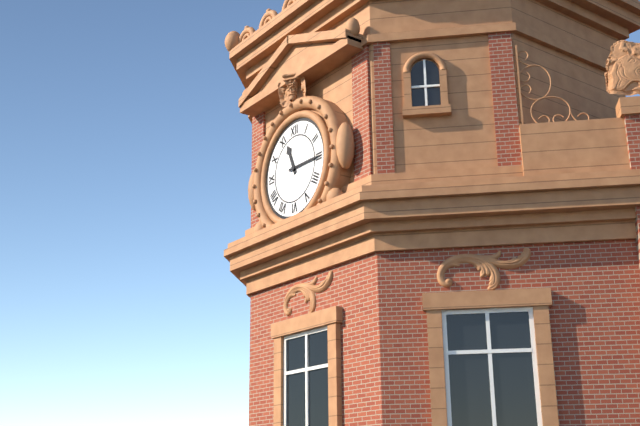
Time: 11h15
